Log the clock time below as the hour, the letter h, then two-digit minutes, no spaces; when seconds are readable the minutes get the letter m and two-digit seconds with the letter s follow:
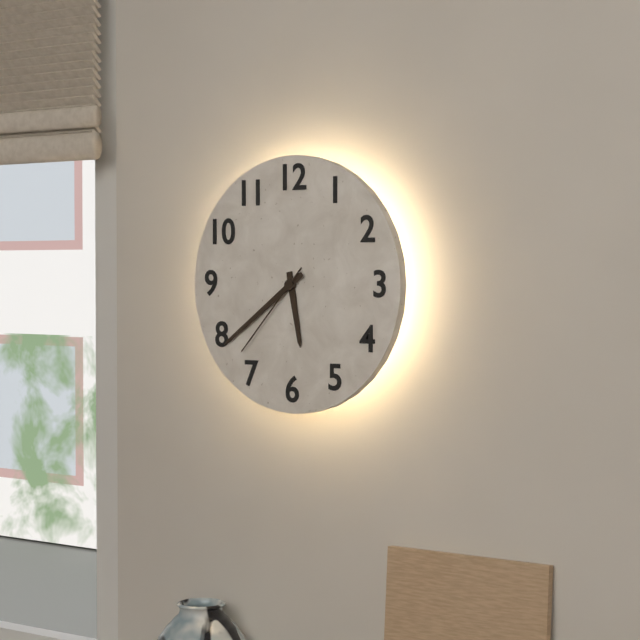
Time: 5h39m37s
